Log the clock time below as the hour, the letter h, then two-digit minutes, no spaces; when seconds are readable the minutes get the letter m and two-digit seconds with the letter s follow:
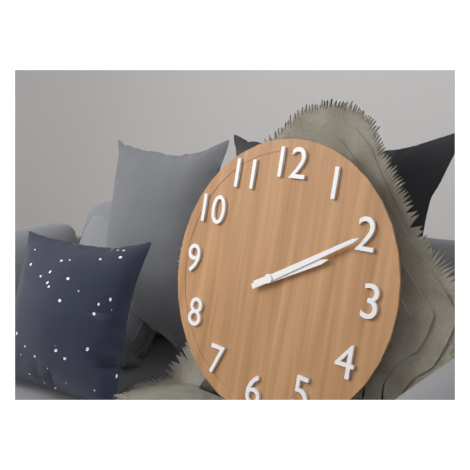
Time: 2h10
